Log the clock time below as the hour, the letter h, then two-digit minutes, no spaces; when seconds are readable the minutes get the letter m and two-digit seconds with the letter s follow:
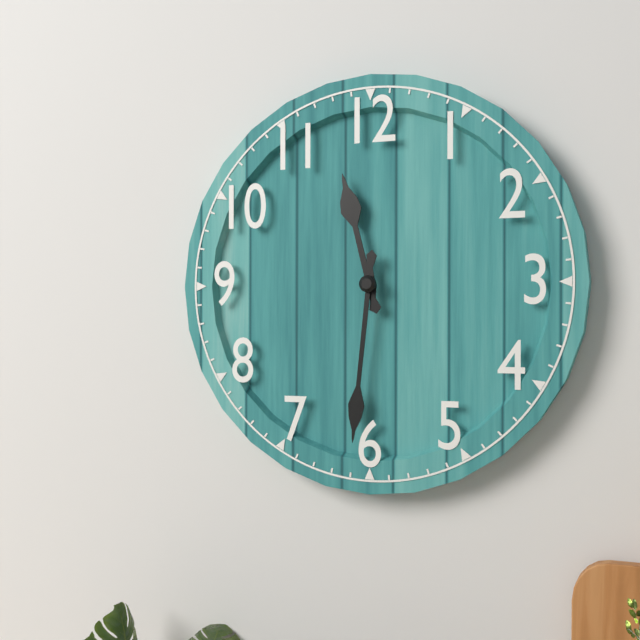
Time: 11h31
